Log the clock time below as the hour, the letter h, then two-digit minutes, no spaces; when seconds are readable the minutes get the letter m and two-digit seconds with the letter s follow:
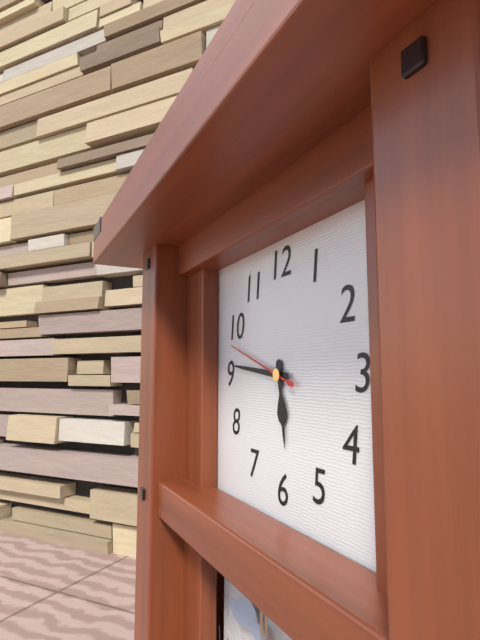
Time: 5h46m48s
